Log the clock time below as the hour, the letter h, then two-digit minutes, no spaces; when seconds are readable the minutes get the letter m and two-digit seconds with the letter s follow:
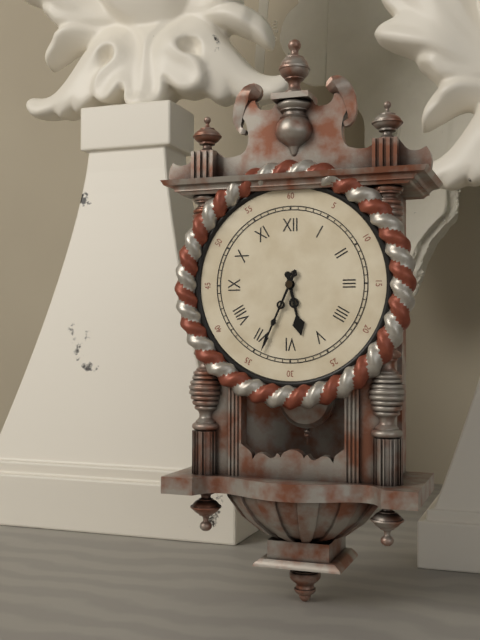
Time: 5h34
